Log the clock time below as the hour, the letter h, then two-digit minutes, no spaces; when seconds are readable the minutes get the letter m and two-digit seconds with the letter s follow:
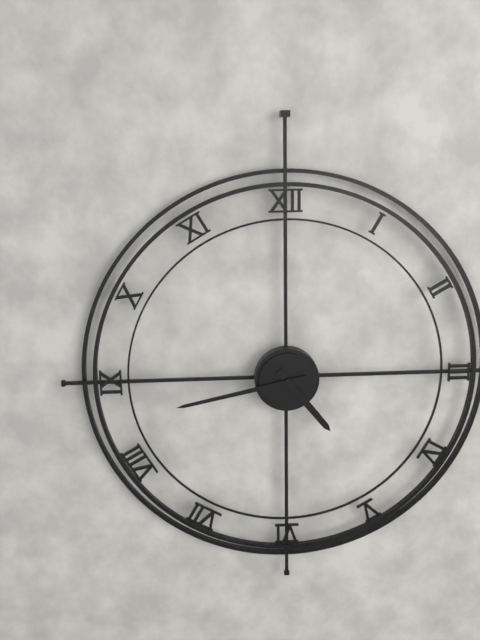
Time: 4h43
